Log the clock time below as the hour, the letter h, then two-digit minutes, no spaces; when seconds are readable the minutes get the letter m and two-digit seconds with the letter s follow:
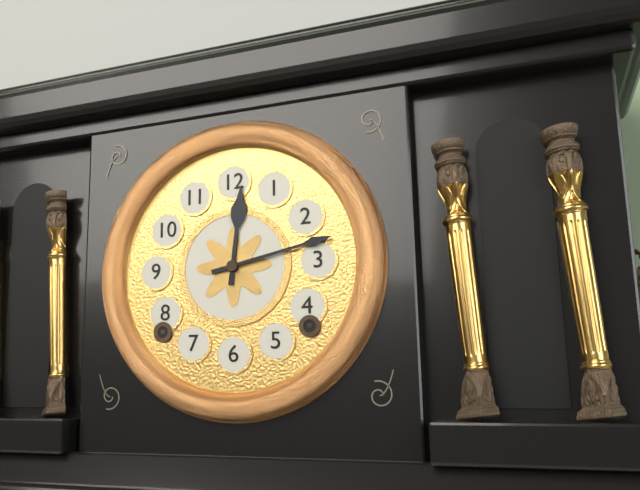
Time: 12h13
